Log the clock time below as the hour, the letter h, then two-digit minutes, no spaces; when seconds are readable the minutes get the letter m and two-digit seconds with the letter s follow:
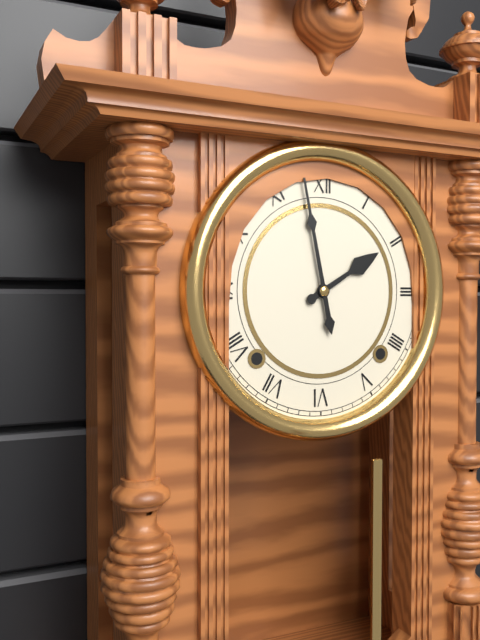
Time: 1h58
